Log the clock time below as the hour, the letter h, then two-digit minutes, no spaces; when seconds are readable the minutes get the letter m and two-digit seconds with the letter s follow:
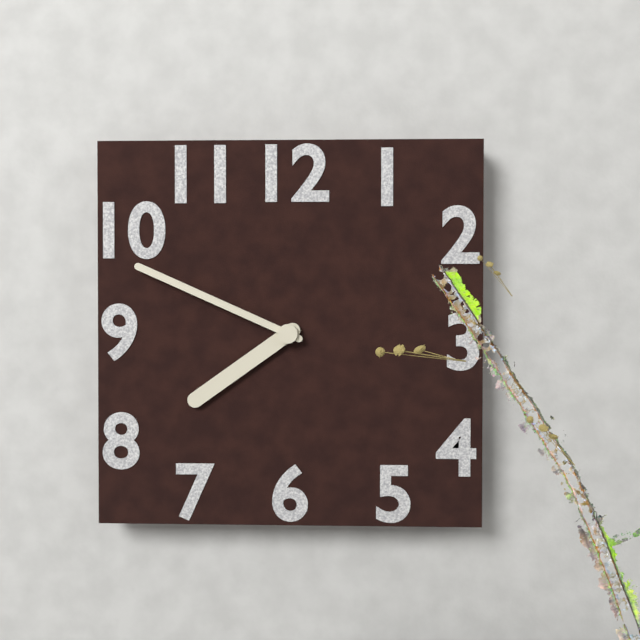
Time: 7h49
